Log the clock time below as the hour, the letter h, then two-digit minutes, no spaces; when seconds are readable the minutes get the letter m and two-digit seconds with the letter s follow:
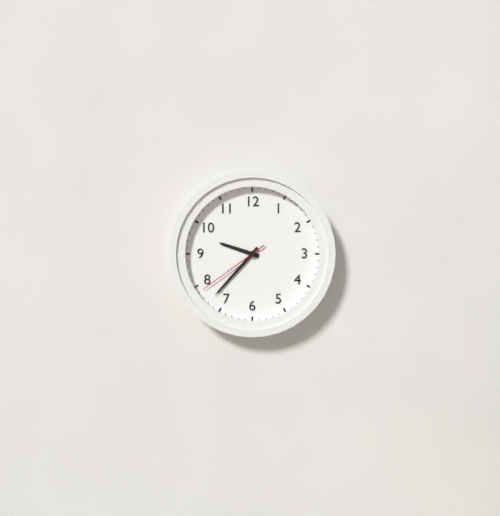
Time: 9h37m39s
